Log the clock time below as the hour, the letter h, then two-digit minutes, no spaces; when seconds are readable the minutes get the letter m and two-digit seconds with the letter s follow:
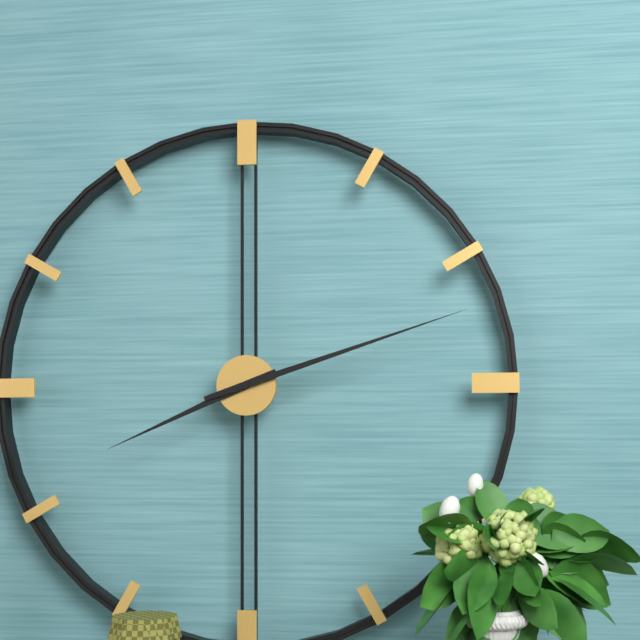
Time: 8h12
